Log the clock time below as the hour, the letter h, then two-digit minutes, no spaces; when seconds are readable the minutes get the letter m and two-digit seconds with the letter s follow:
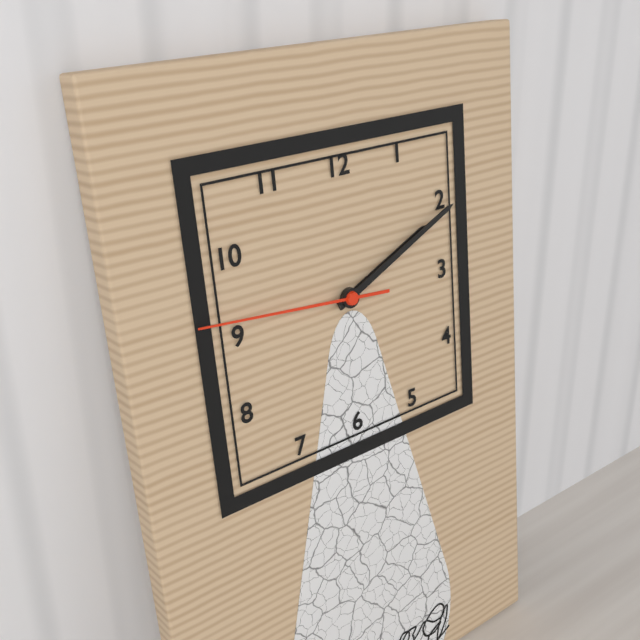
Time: 2h11m46s
